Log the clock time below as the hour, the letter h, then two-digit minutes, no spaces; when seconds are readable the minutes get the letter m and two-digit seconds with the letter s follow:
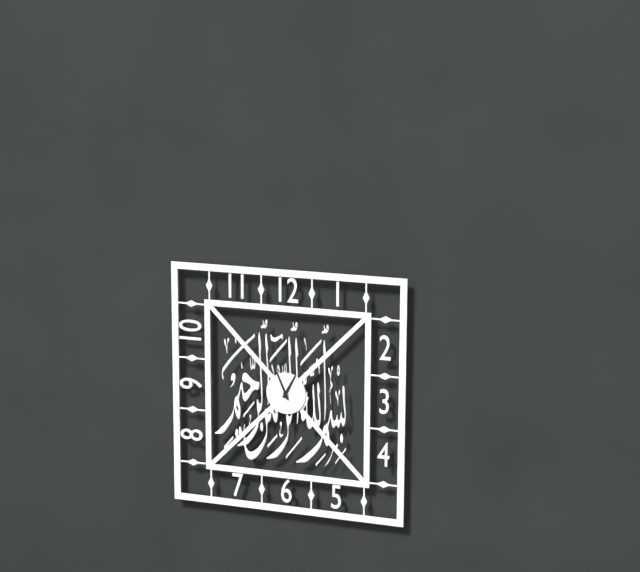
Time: 12h56
